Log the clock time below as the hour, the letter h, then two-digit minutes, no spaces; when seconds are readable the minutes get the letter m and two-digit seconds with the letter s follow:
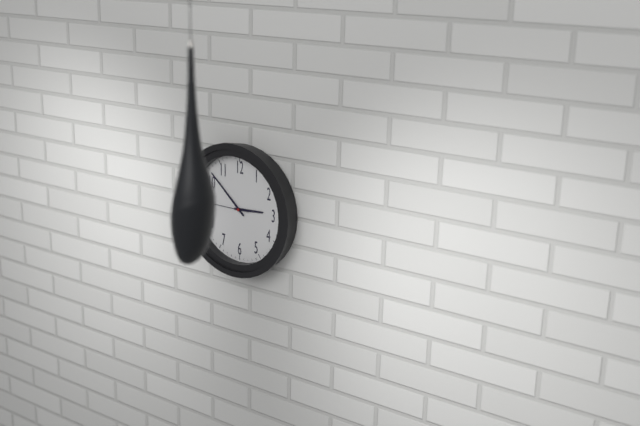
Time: 2h52
